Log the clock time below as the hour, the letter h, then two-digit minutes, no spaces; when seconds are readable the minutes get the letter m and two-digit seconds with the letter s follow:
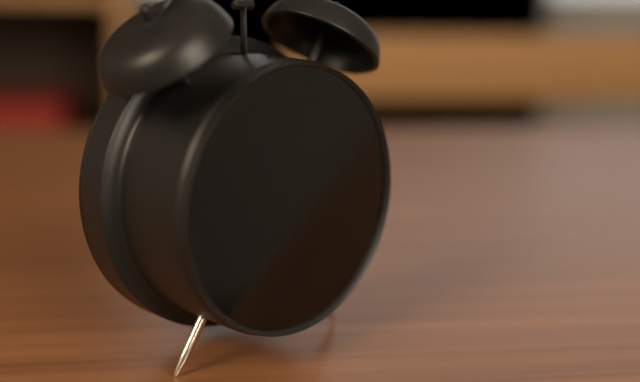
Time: 10h14m28s
